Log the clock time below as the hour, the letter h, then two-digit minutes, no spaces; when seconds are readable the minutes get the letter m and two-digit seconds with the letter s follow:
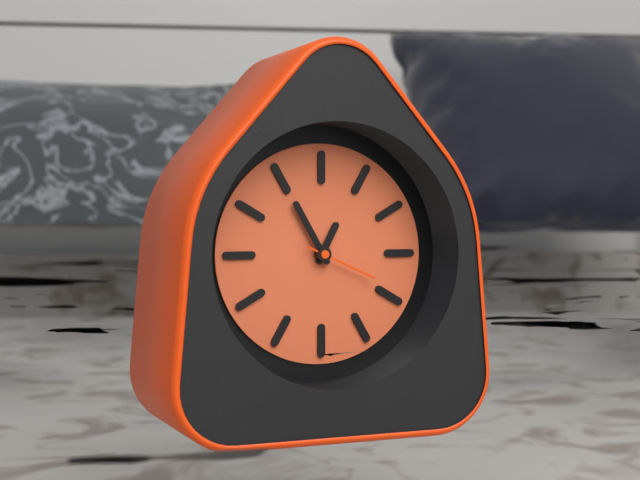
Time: 12h55
